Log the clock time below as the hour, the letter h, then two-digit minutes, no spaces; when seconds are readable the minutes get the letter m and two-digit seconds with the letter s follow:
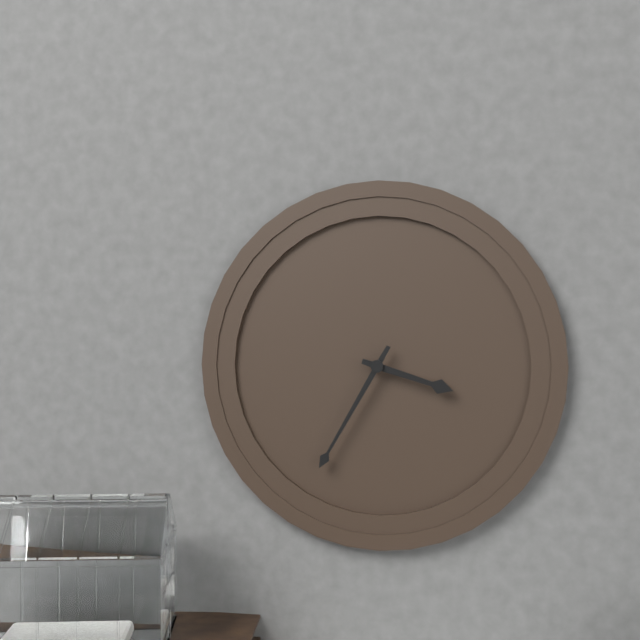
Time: 3h35
